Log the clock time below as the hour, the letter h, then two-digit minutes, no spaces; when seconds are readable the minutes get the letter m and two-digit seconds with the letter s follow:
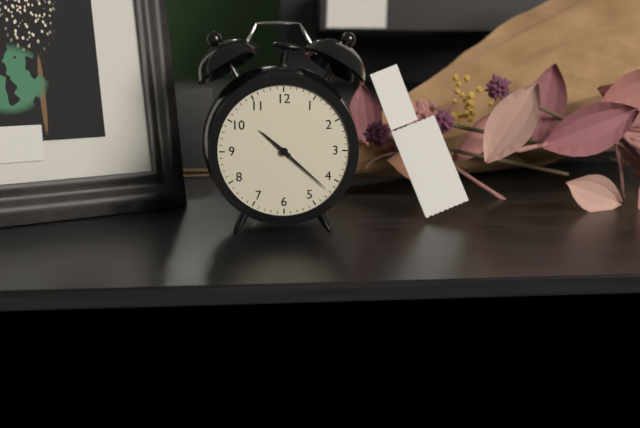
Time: 10h22
